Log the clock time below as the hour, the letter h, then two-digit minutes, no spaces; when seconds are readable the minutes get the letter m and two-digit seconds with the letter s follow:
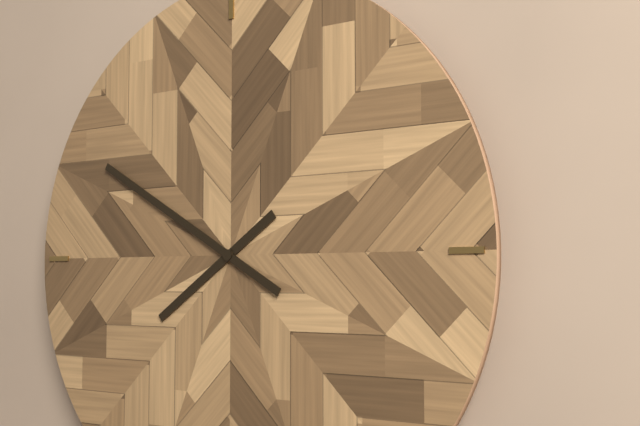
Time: 7h50
